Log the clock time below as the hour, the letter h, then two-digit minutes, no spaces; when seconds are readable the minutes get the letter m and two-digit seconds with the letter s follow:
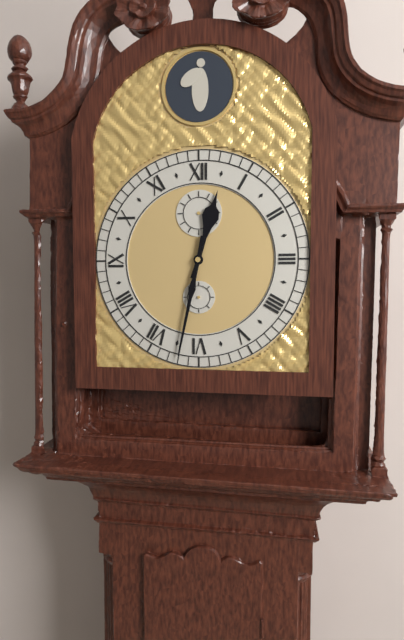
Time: 12h32
